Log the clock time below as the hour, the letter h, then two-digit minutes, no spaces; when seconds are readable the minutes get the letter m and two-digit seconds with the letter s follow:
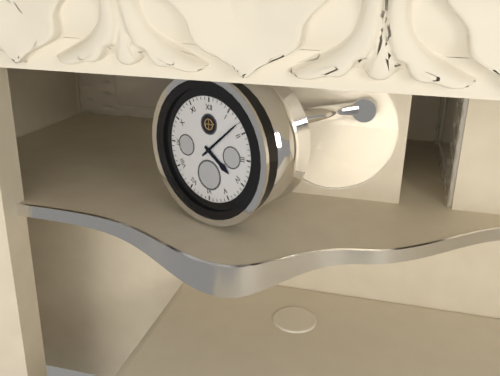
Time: 4h08
